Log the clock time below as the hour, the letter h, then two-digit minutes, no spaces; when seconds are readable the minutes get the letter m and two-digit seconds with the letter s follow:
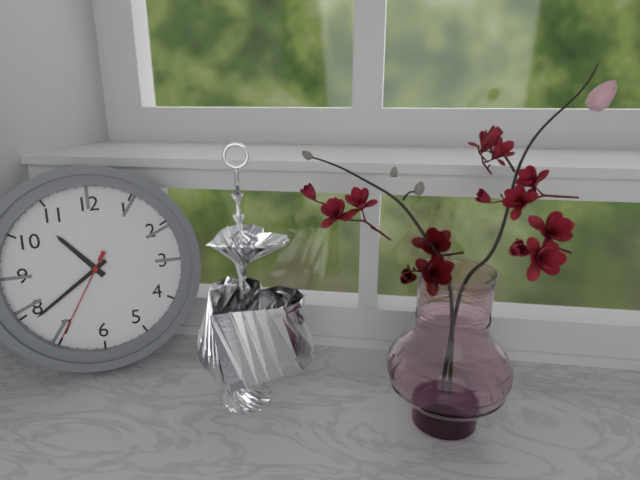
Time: 10h39m35s
